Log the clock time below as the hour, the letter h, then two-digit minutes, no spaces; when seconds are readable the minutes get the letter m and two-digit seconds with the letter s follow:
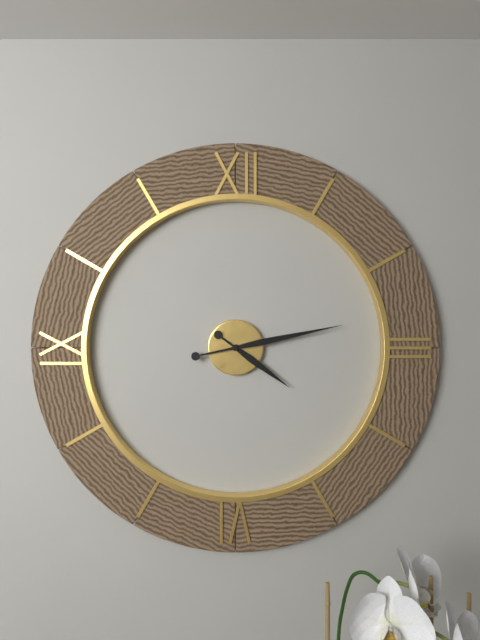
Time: 4h13
